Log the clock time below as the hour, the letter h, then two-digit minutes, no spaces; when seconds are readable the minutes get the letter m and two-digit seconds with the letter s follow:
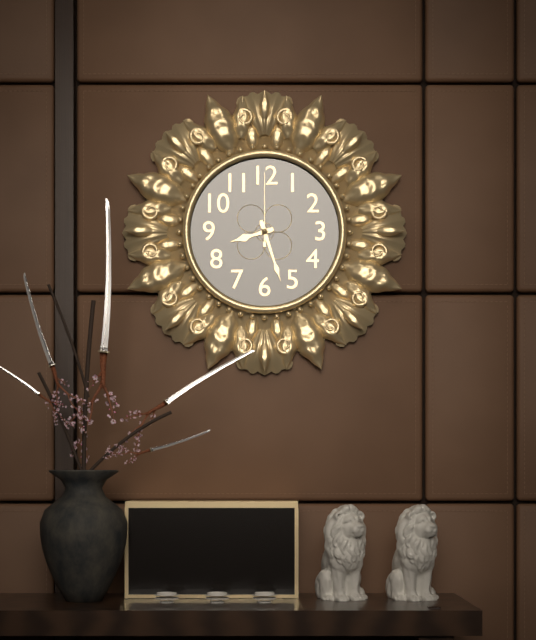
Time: 8h27m00s
